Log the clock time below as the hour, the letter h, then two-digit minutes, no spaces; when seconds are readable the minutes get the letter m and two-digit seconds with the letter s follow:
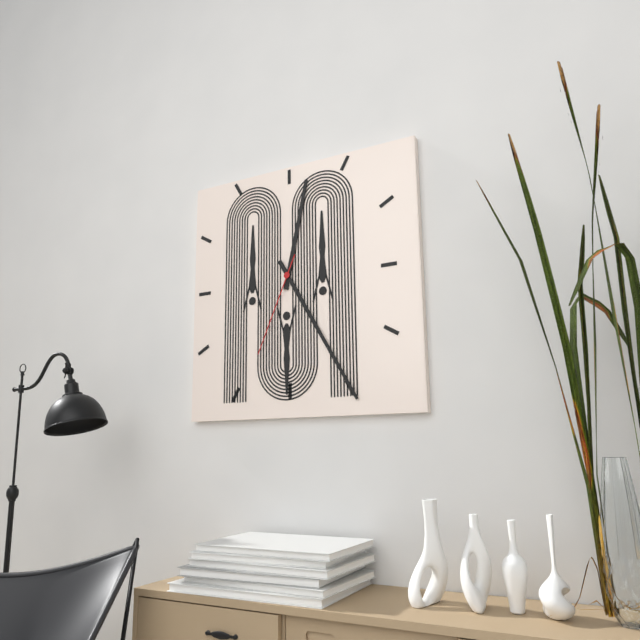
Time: 12h25m34s
